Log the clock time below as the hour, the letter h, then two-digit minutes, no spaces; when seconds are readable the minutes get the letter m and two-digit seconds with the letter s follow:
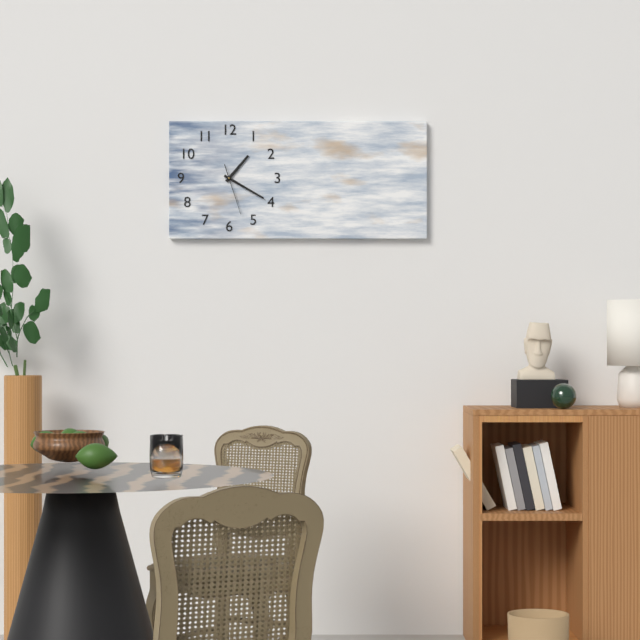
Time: 1h20
